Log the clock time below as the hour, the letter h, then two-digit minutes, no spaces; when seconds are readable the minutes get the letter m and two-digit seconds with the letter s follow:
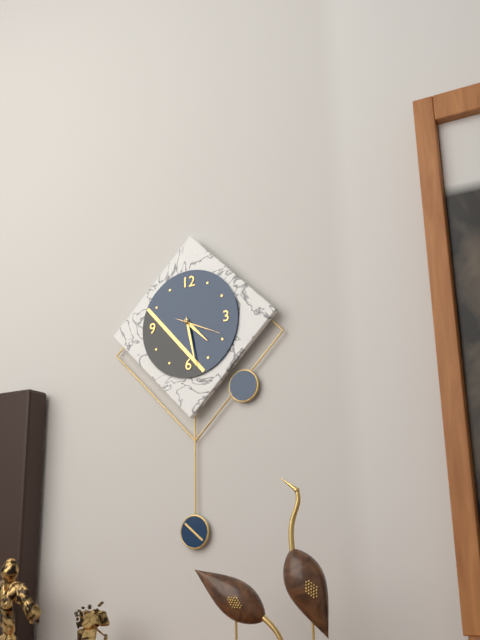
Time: 4h28
